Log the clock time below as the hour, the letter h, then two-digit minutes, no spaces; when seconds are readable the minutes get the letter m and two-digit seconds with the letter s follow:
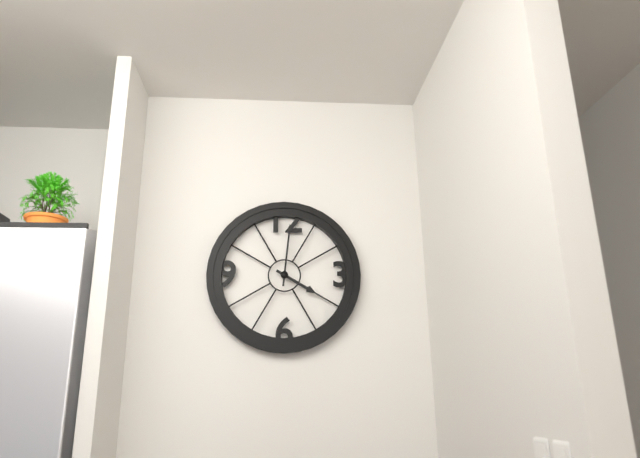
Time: 4h01
